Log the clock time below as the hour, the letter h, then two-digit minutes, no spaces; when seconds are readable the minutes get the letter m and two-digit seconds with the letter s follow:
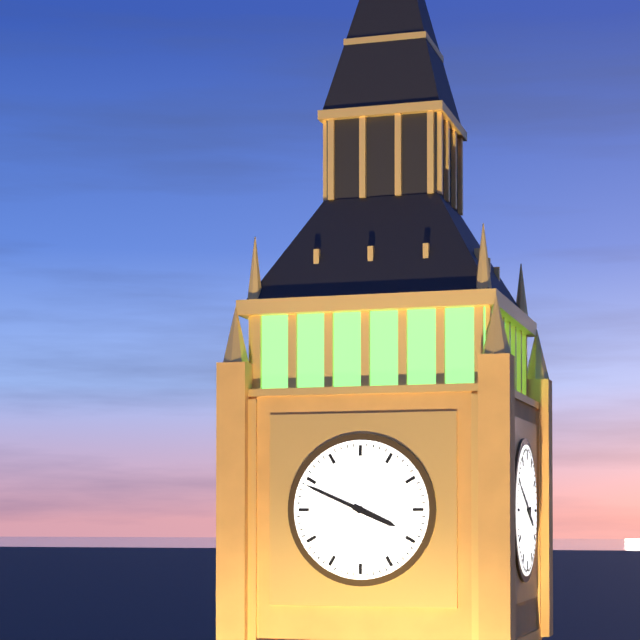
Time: 3h49
